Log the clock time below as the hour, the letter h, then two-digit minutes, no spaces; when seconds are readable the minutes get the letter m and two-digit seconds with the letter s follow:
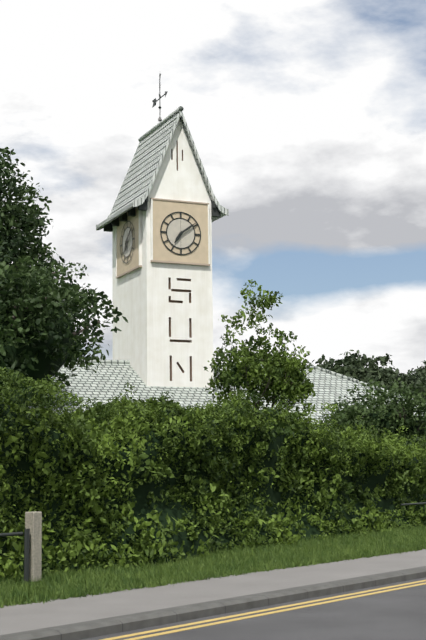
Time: 7h09
